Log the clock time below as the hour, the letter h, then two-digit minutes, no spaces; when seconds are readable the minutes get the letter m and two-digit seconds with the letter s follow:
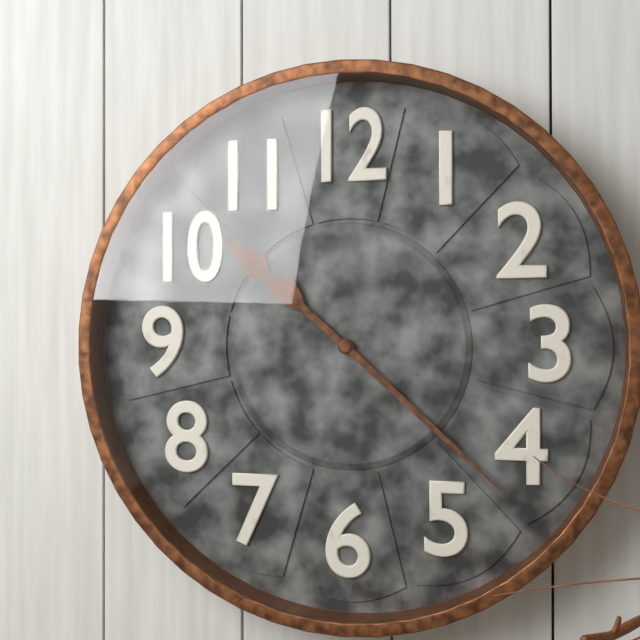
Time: 10h22
